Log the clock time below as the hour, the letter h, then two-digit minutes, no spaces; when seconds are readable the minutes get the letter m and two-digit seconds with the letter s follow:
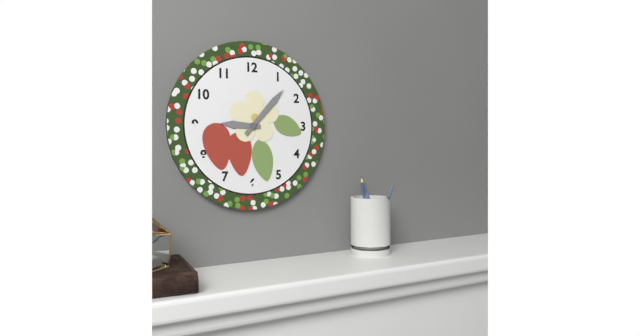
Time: 9h07
